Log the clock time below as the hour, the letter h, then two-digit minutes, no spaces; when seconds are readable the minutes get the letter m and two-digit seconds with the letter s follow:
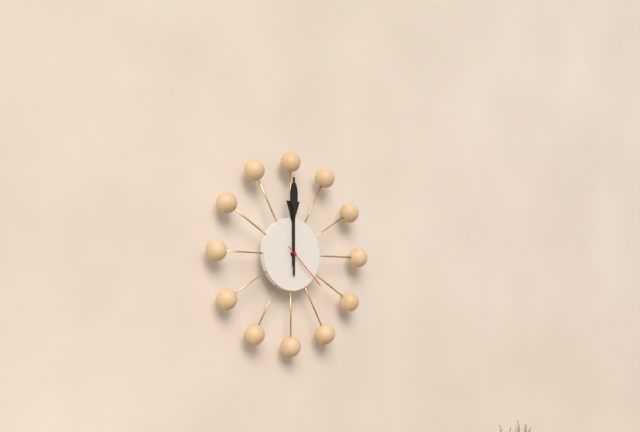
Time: 12h00m22s
